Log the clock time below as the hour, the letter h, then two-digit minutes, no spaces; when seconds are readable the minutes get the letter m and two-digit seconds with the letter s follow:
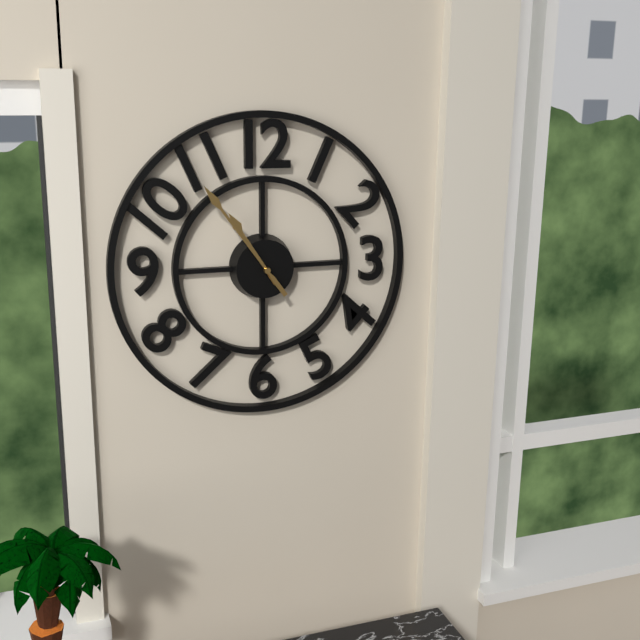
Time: 10h54
